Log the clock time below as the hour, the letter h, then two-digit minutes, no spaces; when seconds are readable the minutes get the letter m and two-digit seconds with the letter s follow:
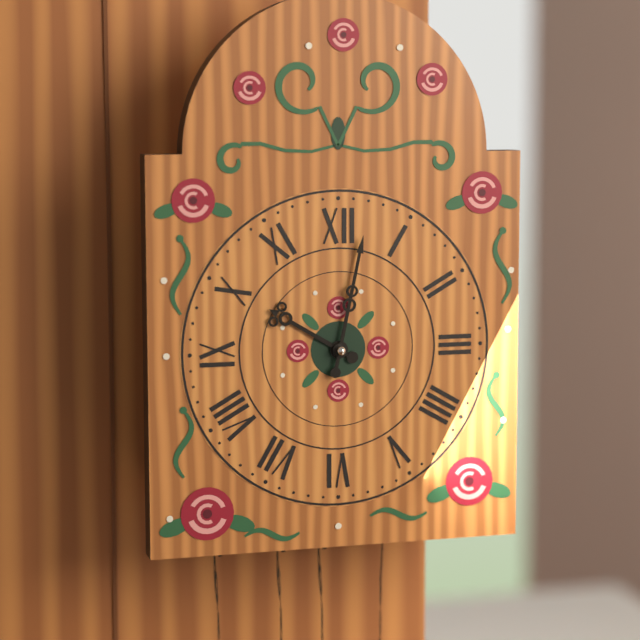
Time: 10h02
